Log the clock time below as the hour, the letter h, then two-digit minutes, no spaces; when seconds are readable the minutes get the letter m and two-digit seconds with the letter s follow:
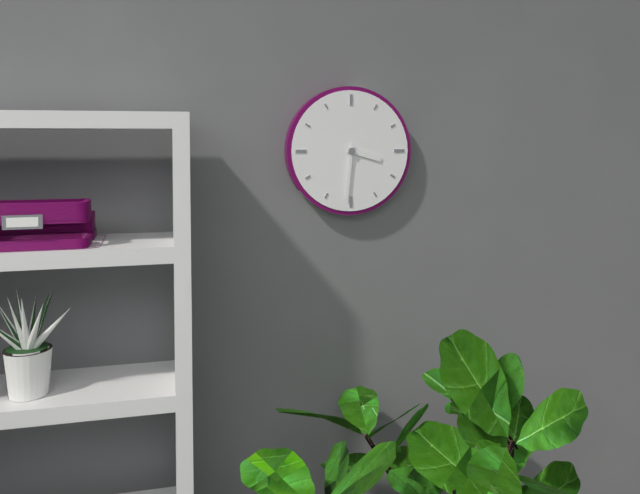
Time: 3h31
